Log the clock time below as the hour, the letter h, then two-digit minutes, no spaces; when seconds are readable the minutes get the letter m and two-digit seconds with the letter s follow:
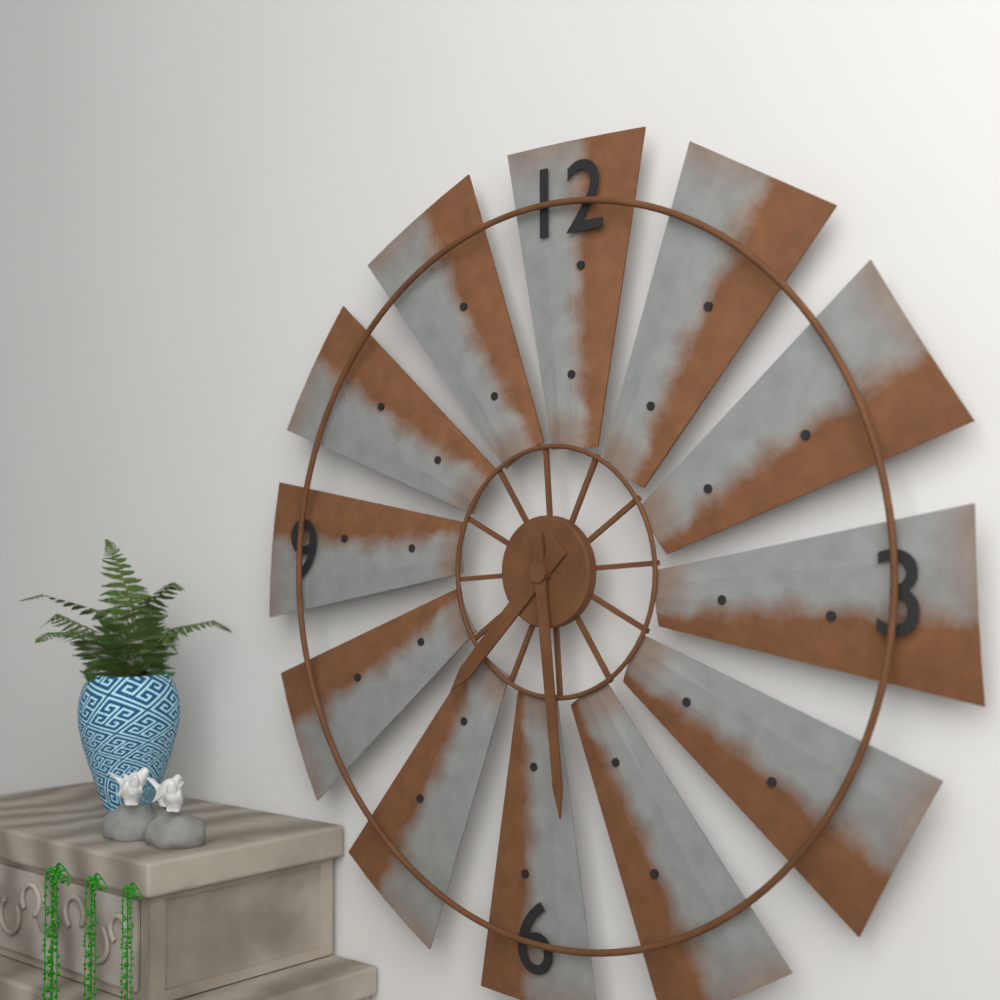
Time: 7h29
